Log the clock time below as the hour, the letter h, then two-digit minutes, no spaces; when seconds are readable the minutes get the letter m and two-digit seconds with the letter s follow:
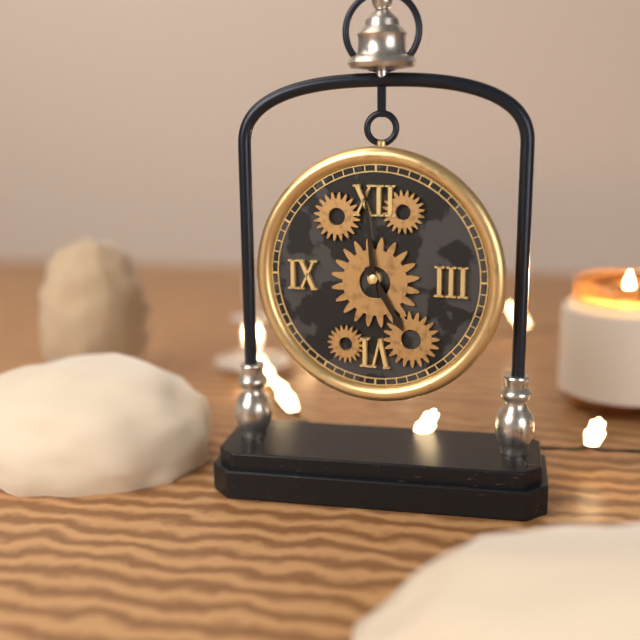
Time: 4h59
